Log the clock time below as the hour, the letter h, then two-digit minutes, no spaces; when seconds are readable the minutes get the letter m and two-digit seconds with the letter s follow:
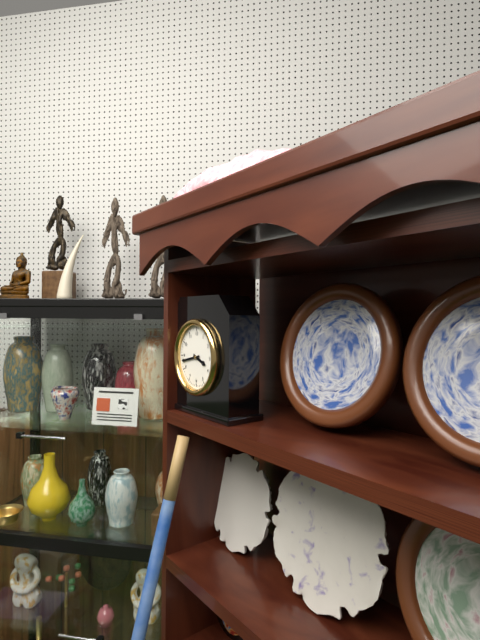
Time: 3h43
